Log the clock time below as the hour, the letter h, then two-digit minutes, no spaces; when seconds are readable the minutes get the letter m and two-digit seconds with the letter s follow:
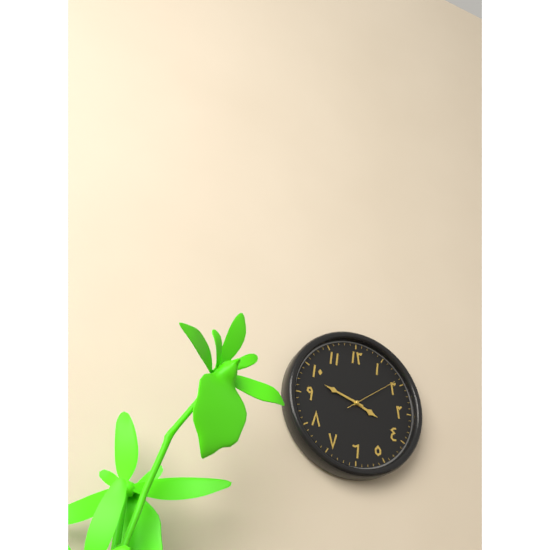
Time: 3h48m09s
